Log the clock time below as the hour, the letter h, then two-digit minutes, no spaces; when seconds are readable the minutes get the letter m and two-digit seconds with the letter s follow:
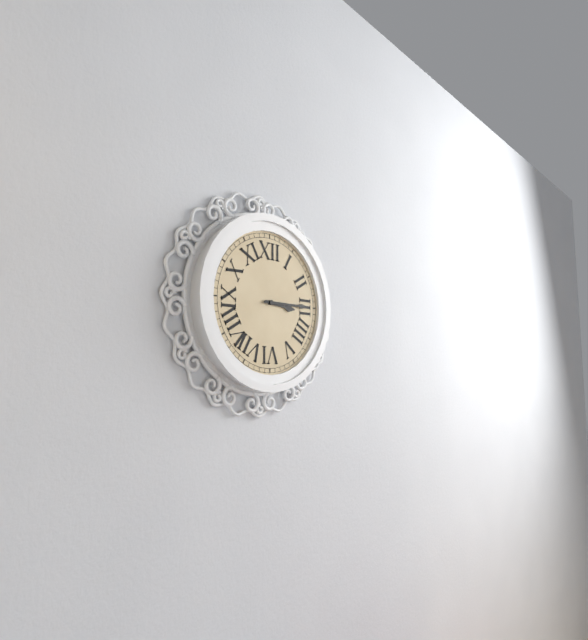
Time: 3h15
